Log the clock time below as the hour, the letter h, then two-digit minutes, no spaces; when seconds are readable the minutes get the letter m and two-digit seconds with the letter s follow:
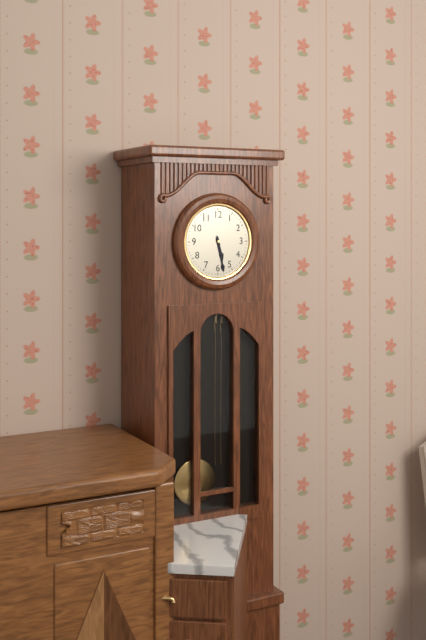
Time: 5h28
